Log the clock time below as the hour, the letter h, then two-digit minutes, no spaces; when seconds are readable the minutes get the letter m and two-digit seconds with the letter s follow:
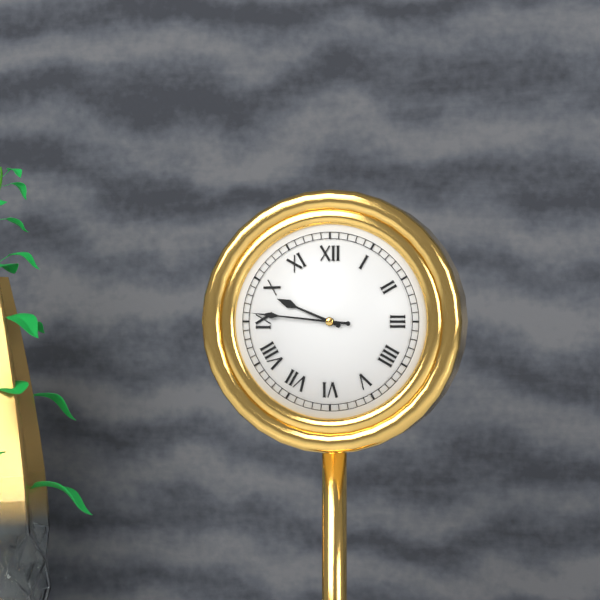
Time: 9h46
